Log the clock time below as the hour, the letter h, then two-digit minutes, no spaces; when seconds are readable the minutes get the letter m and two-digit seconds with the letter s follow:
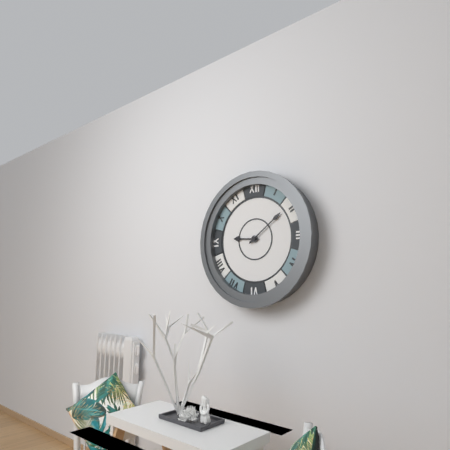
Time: 9h09
